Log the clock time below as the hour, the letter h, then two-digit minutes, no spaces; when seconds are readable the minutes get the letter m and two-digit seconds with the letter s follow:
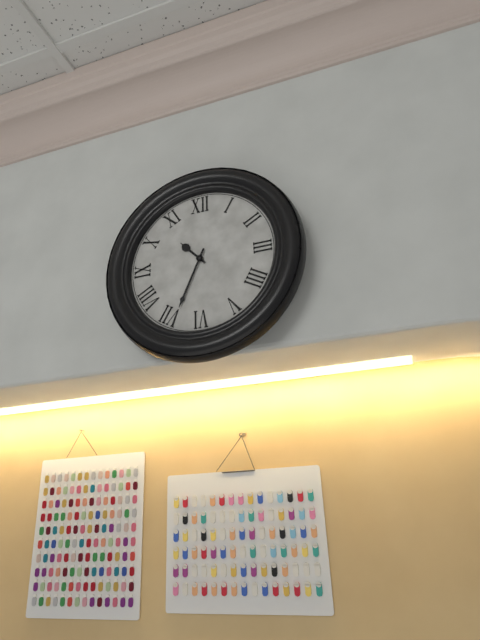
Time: 10h34
